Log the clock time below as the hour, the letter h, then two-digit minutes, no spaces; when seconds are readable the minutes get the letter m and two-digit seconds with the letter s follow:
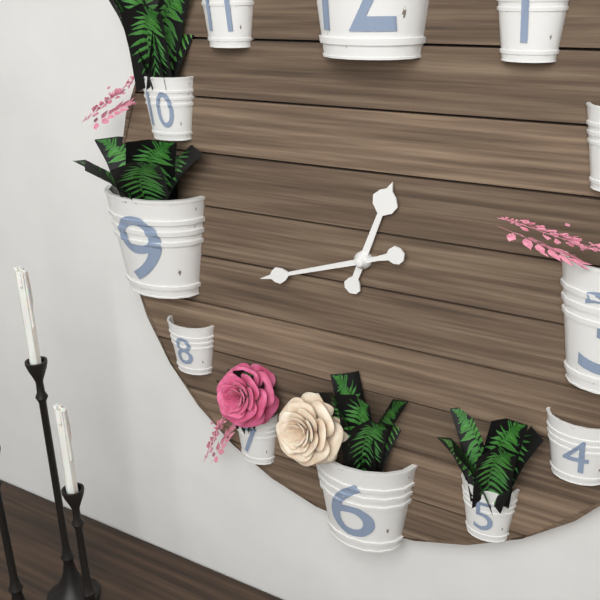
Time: 12h42
